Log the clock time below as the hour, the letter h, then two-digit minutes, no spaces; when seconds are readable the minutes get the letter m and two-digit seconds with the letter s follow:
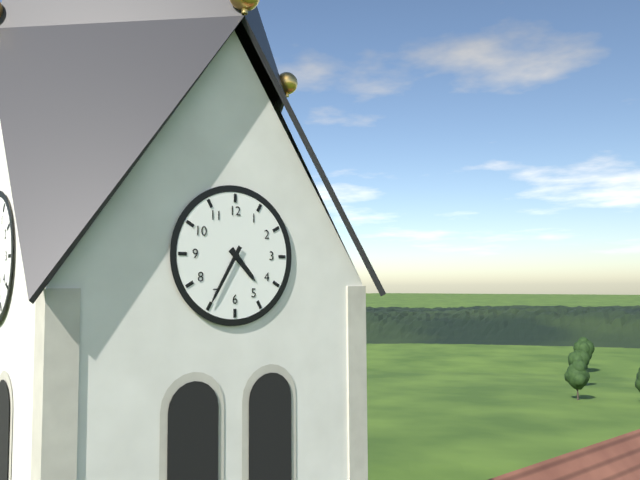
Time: 4h35
